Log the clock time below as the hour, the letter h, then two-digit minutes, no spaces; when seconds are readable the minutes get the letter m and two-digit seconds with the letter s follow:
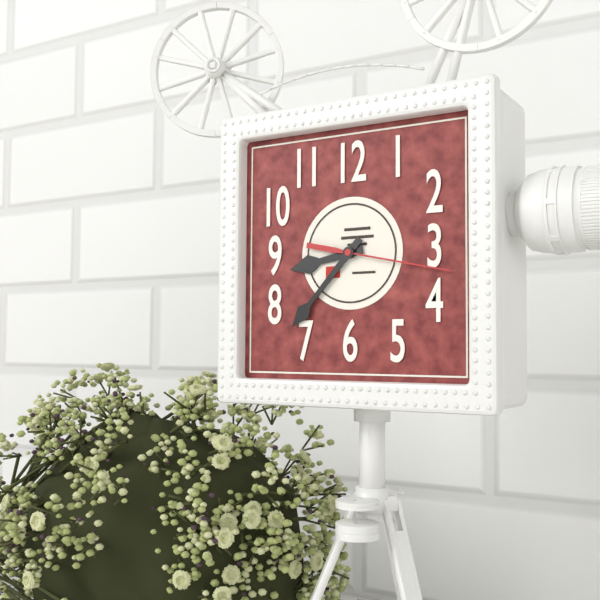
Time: 8h37m17s
